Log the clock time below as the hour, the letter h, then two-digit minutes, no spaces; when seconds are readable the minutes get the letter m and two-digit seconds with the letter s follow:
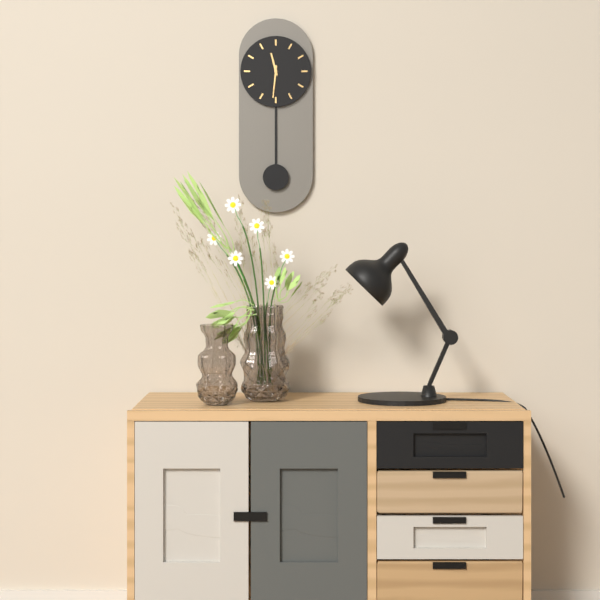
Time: 11h31
